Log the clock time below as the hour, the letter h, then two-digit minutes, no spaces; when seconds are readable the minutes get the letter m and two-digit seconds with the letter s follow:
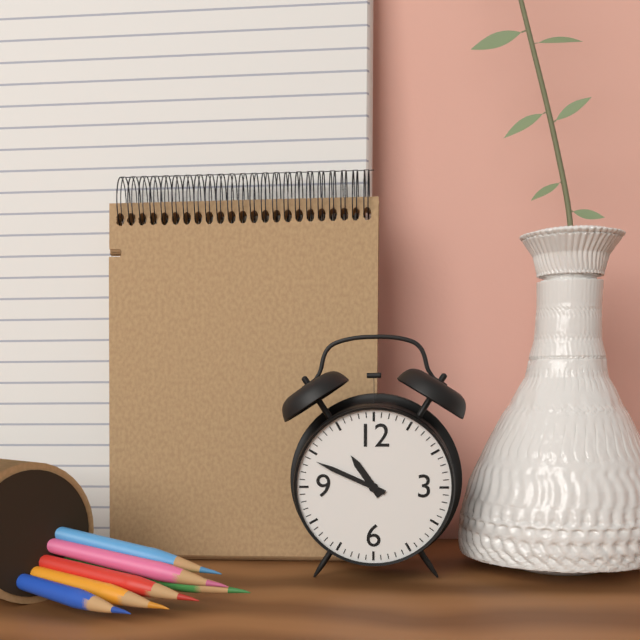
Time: 10h49
